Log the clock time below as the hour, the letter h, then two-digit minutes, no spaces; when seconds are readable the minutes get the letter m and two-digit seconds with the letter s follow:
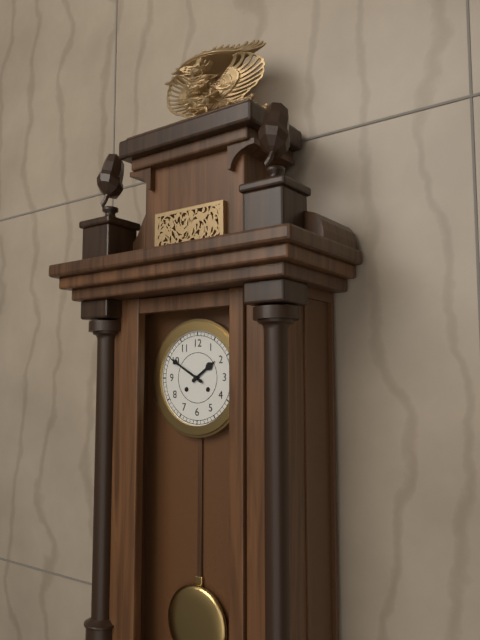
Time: 1h50
